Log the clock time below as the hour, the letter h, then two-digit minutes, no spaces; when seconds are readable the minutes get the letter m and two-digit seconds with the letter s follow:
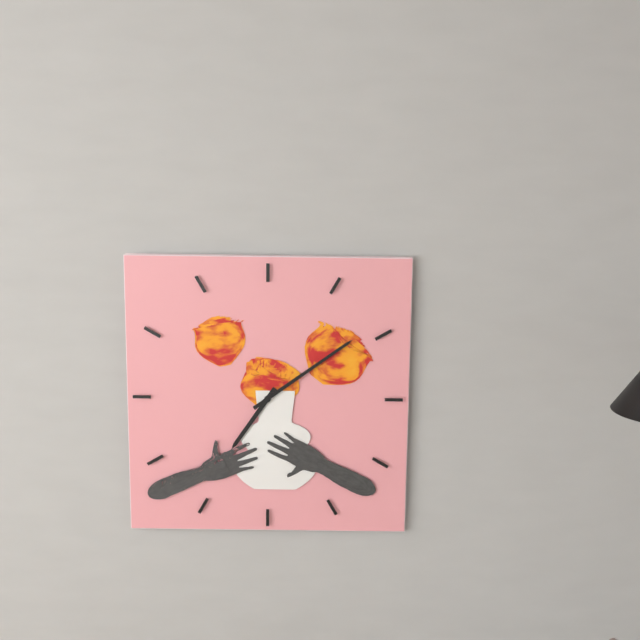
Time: 7h09
